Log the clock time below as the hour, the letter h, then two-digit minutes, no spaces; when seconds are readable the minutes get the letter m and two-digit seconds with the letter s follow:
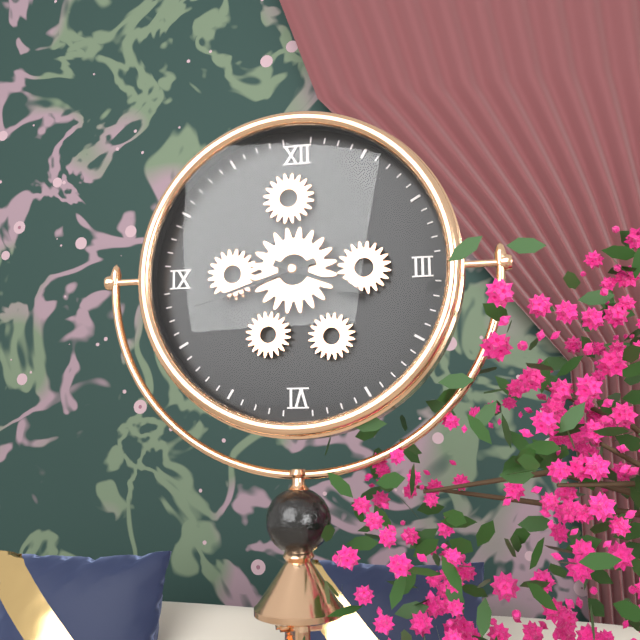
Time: 3h42
